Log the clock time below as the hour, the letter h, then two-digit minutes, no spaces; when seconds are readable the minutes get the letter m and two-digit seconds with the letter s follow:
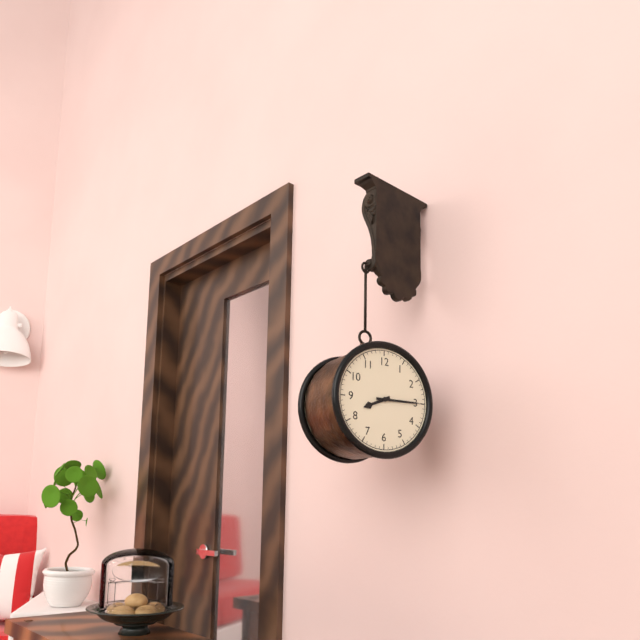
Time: 8h15
